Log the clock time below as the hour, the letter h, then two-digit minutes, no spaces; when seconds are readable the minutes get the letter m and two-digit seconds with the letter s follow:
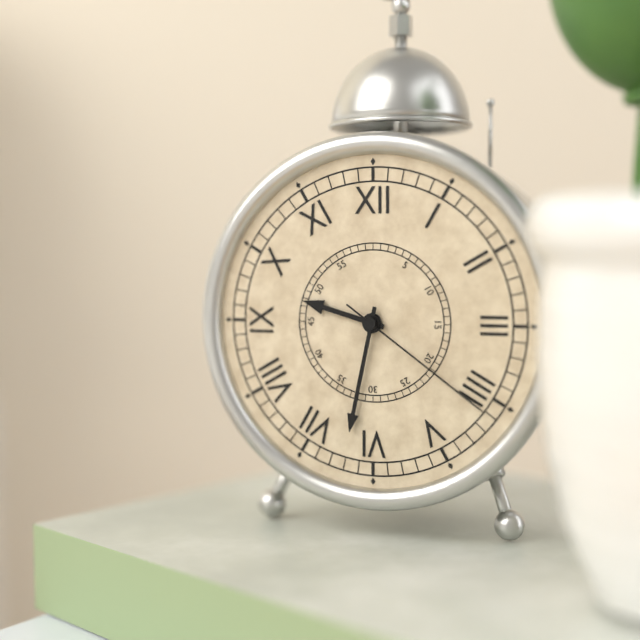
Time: 9h32m21s
